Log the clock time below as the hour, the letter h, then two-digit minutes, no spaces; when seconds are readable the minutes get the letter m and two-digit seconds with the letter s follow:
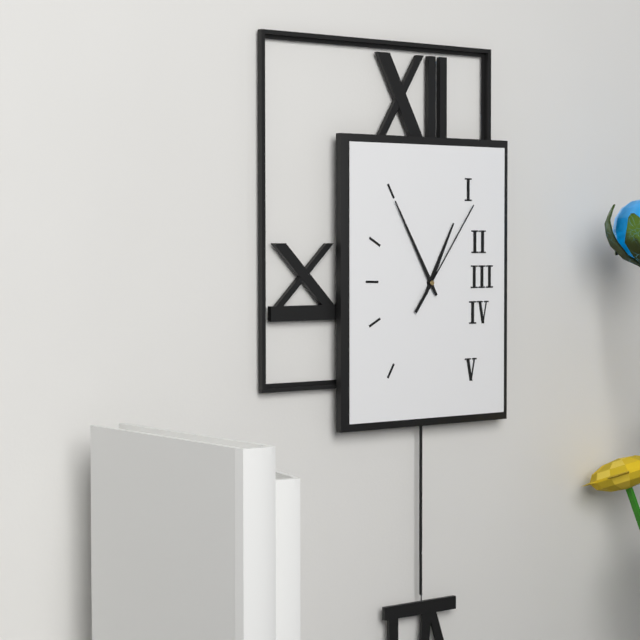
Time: 12h55m06s
